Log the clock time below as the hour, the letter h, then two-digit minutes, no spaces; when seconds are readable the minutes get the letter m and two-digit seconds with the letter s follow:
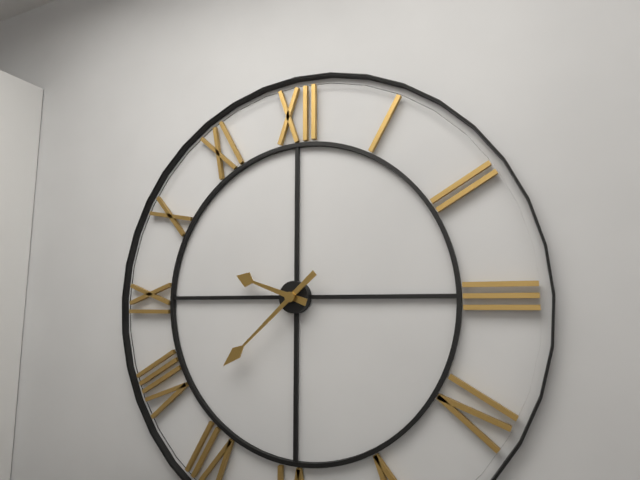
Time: 9h38
